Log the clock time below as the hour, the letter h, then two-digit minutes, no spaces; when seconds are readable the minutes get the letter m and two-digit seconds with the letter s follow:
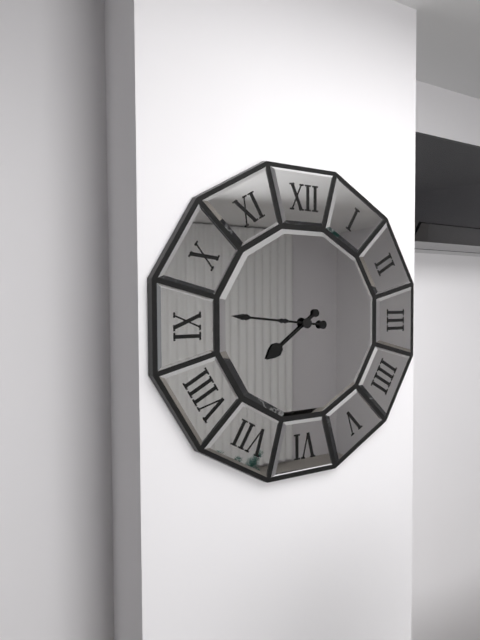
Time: 7h46
